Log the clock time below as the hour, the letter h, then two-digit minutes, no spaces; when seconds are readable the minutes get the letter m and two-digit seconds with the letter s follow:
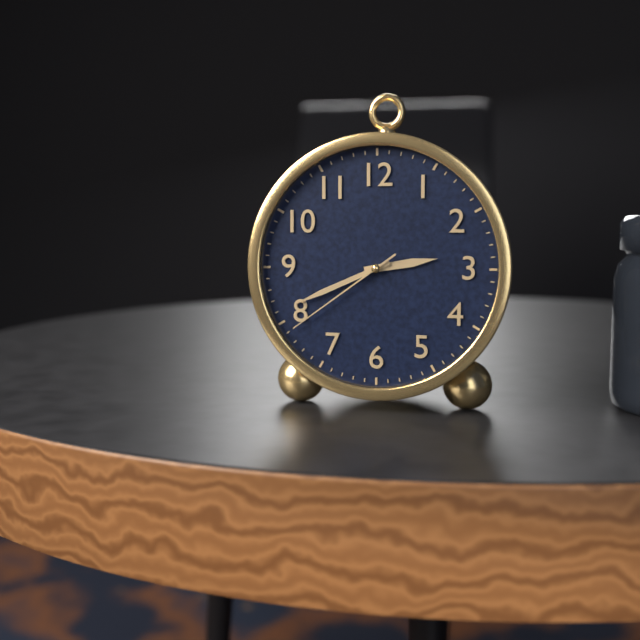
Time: 2h41m39s
